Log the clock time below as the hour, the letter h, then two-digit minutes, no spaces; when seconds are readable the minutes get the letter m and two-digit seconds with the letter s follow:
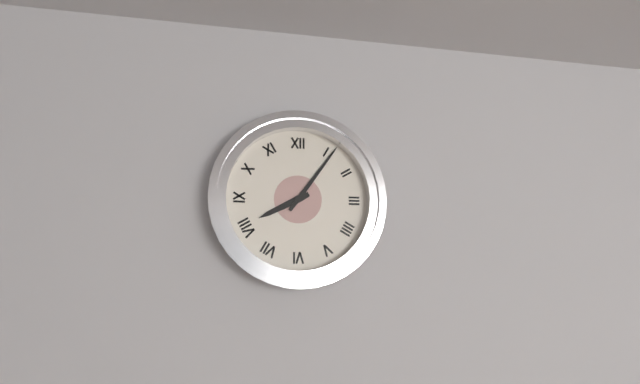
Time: 8h06
